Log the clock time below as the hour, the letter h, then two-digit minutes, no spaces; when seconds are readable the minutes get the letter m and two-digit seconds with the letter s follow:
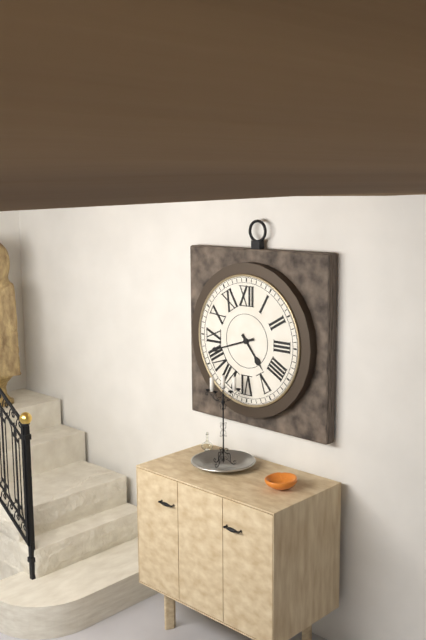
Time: 4h42
